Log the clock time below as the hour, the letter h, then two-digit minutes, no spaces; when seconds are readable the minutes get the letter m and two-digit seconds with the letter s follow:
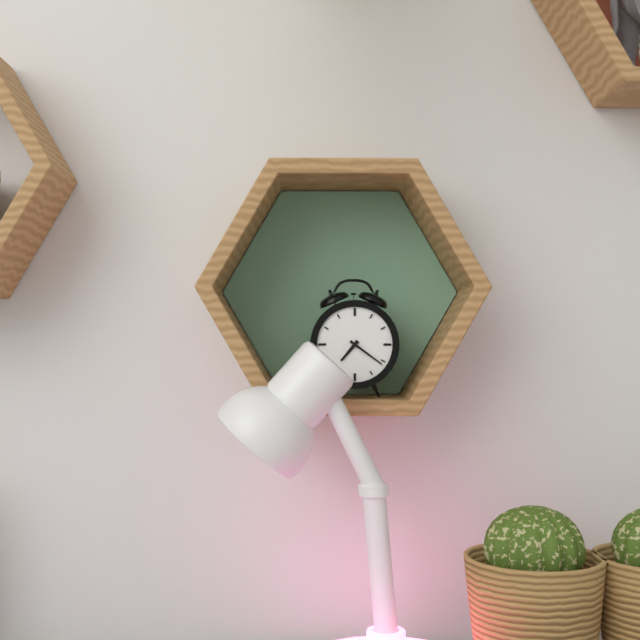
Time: 7h21
